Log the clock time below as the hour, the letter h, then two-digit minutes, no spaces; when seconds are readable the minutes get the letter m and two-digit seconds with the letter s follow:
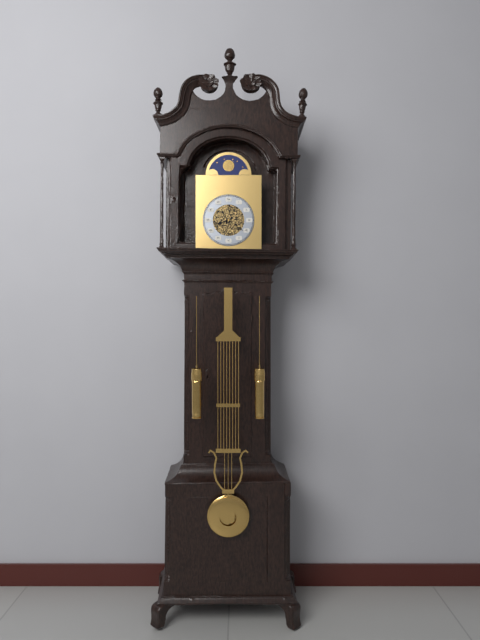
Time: 8h21
